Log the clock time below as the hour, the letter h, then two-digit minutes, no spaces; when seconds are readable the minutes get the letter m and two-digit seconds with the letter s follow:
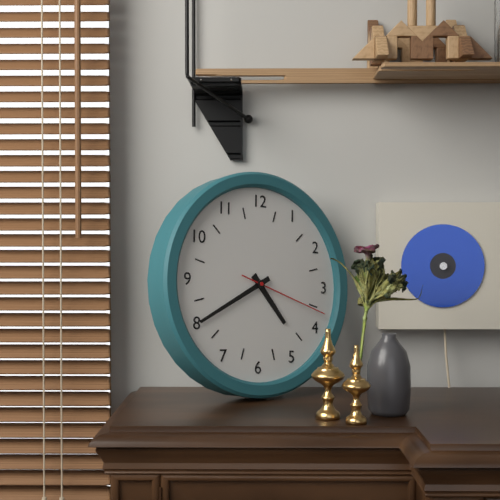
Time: 4h40m18s
